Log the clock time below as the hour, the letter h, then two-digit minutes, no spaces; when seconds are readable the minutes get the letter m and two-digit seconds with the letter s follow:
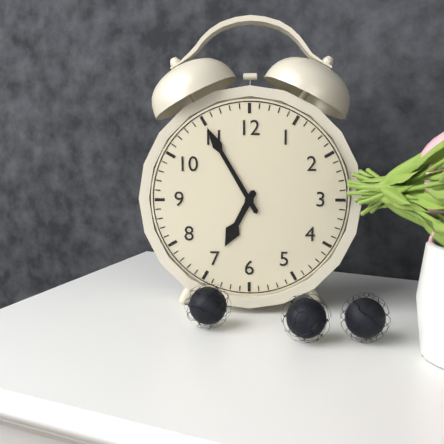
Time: 6h55
